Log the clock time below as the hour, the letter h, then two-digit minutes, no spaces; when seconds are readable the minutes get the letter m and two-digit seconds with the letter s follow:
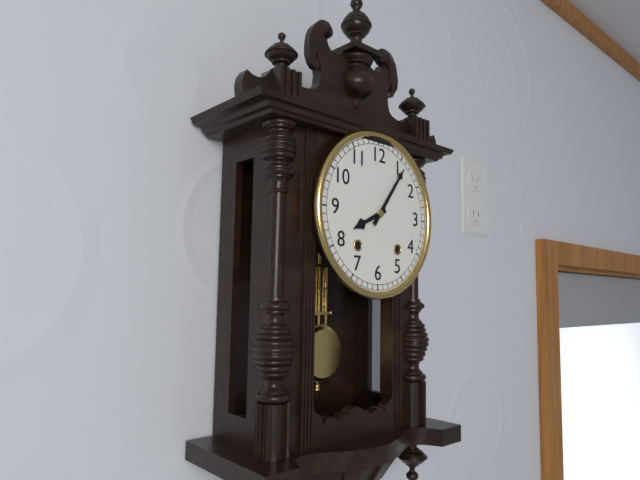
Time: 8h06
